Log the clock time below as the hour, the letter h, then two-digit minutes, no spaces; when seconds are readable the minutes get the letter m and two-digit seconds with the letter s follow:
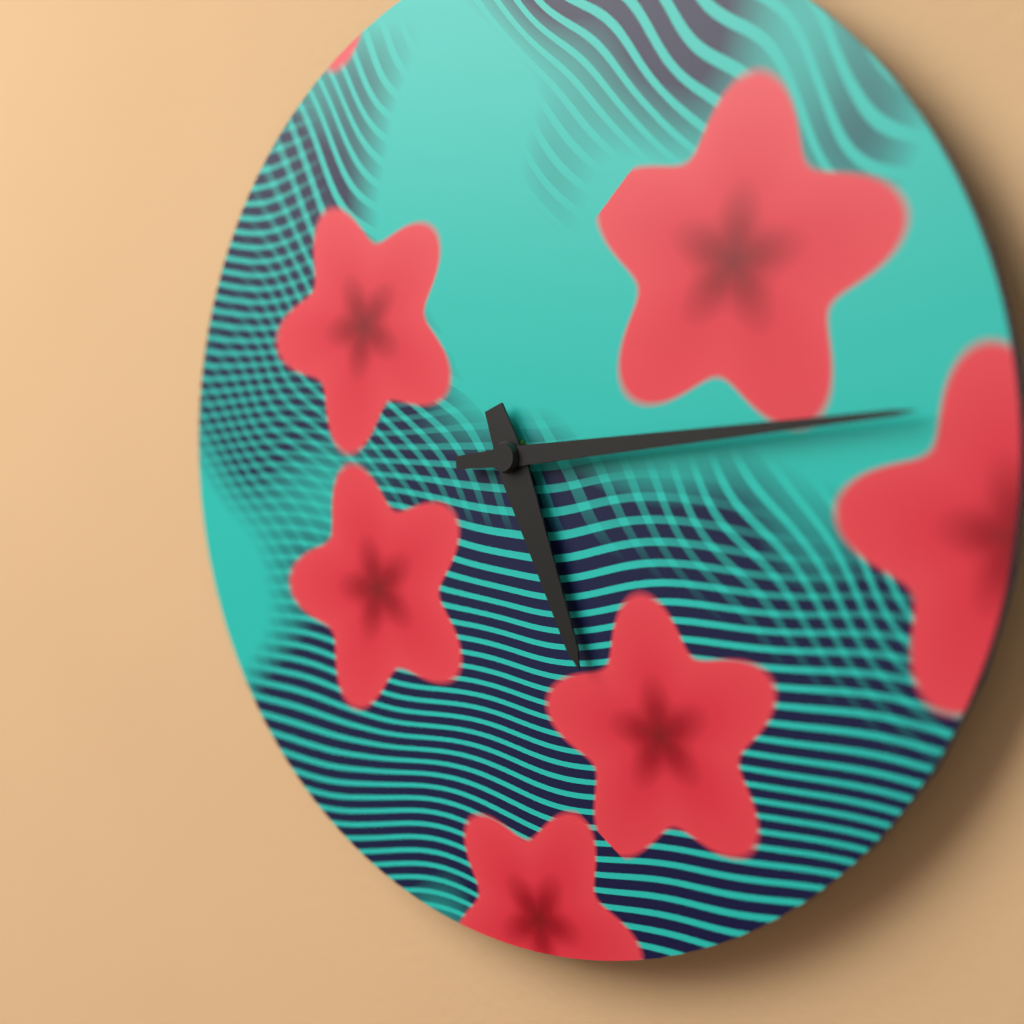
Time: 5h14
